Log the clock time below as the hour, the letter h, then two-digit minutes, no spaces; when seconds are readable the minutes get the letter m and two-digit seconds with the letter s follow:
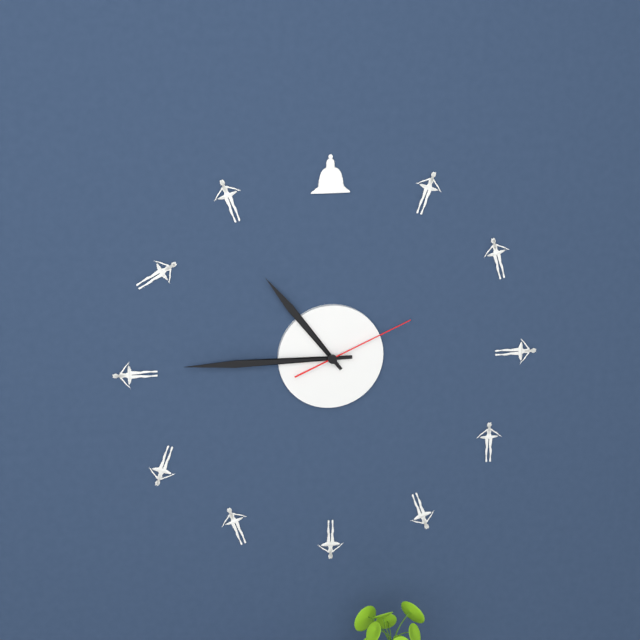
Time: 10h45m11s
